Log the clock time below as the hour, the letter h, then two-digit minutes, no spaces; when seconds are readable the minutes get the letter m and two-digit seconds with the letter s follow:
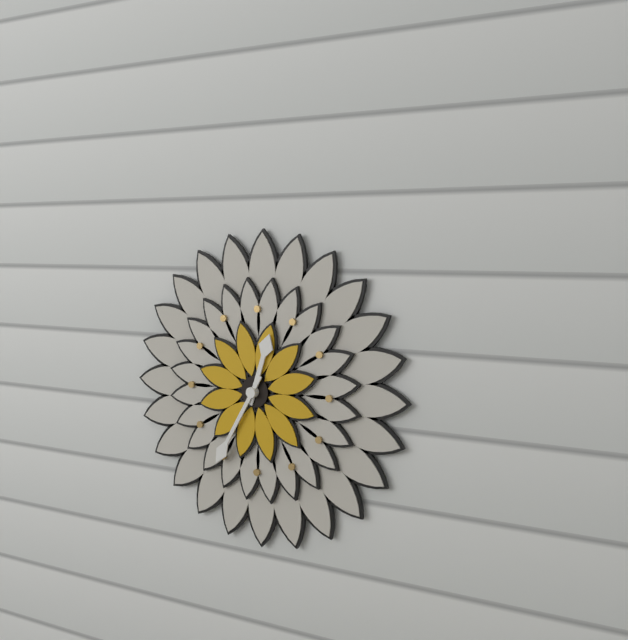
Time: 12h35
